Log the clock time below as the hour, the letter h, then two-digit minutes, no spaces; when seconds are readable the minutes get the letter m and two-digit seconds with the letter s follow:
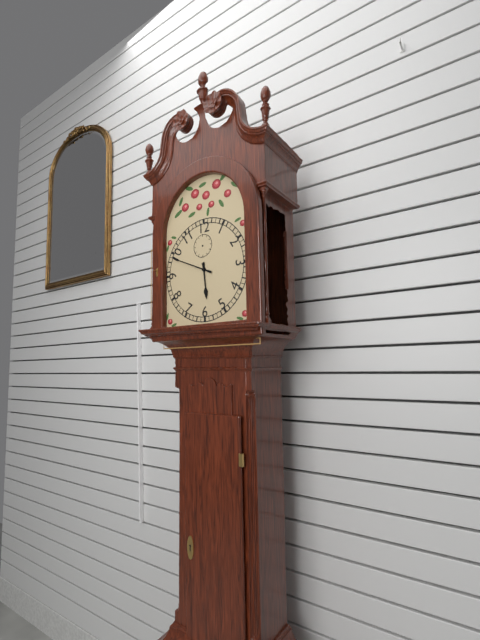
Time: 5h49
